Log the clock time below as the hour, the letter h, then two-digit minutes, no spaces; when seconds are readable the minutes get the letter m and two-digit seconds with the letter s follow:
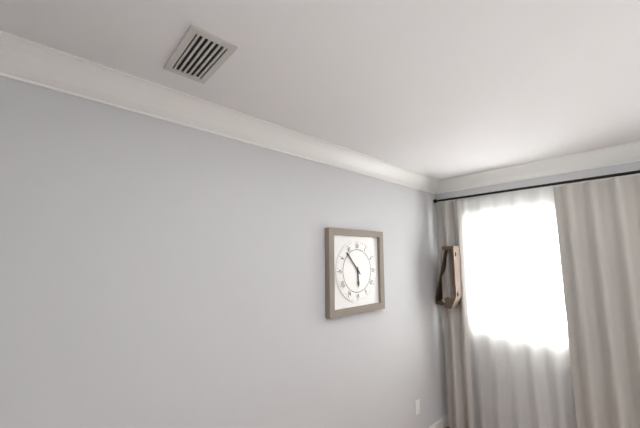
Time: 5h53
